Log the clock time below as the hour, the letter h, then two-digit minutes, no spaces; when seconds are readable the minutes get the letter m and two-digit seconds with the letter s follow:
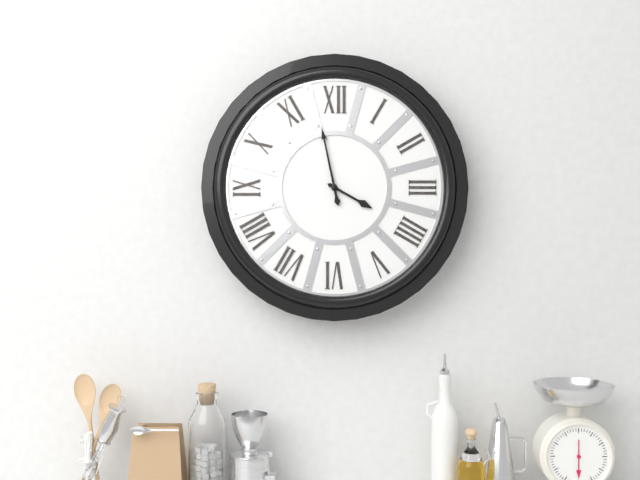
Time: 3h58
